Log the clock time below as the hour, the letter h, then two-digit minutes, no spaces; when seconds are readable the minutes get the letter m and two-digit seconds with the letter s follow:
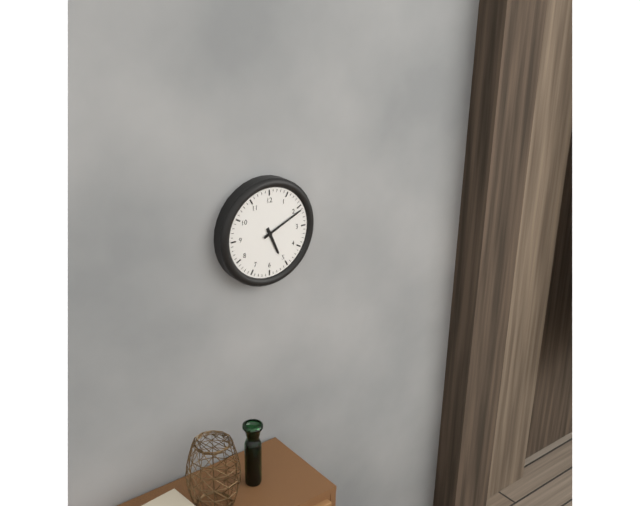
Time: 5h11
